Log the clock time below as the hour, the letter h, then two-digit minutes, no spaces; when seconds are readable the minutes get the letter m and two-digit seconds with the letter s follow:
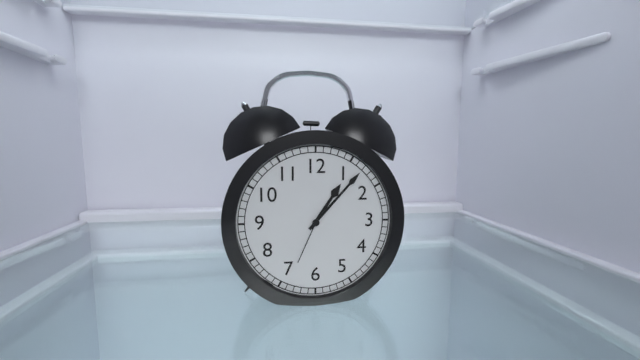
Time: 1h07m34s
